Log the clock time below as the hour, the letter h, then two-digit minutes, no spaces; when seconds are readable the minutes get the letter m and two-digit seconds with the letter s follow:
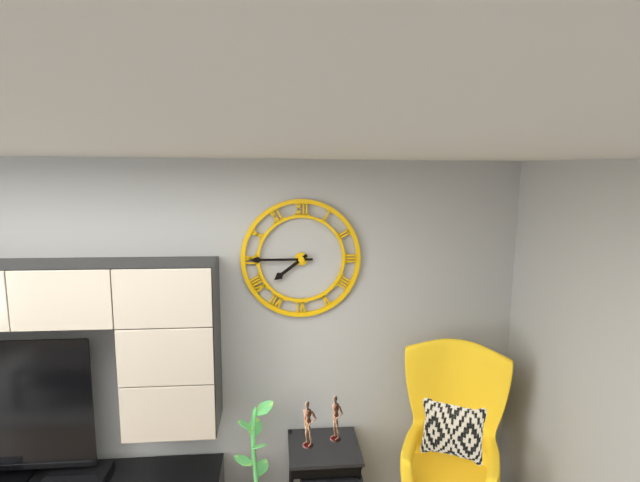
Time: 7h45
